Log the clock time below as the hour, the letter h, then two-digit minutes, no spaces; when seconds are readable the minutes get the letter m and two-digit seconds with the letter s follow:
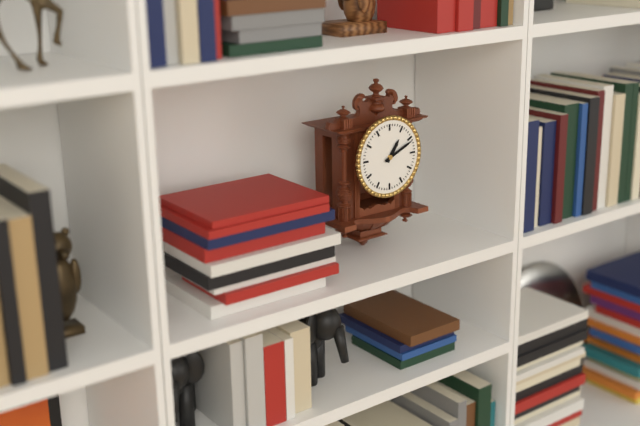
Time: 1h11
